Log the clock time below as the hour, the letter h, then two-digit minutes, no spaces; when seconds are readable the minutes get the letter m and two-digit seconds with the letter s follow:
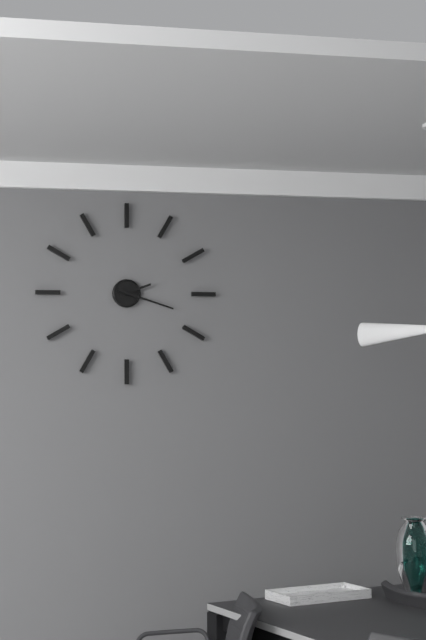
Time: 2h18
